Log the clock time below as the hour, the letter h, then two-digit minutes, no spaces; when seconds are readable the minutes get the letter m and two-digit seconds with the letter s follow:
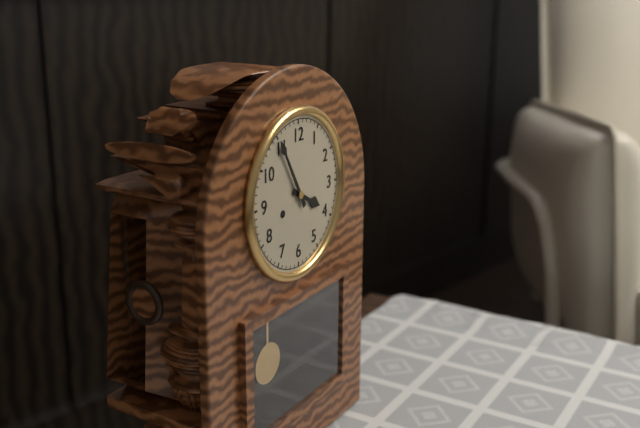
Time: 3h55
